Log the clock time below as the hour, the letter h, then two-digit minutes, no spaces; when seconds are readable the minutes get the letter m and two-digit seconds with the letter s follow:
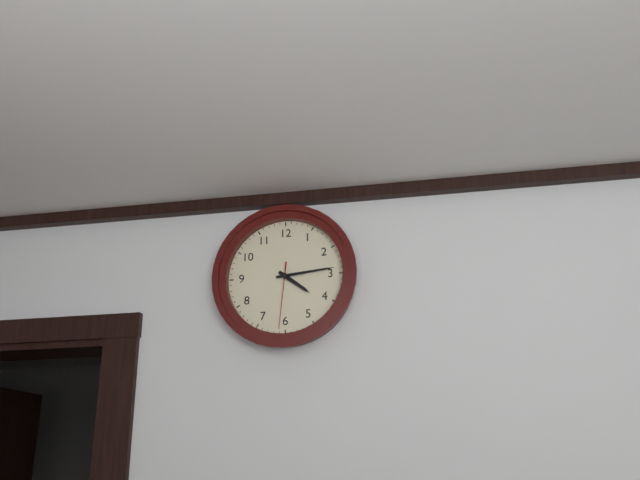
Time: 4h14m31s
